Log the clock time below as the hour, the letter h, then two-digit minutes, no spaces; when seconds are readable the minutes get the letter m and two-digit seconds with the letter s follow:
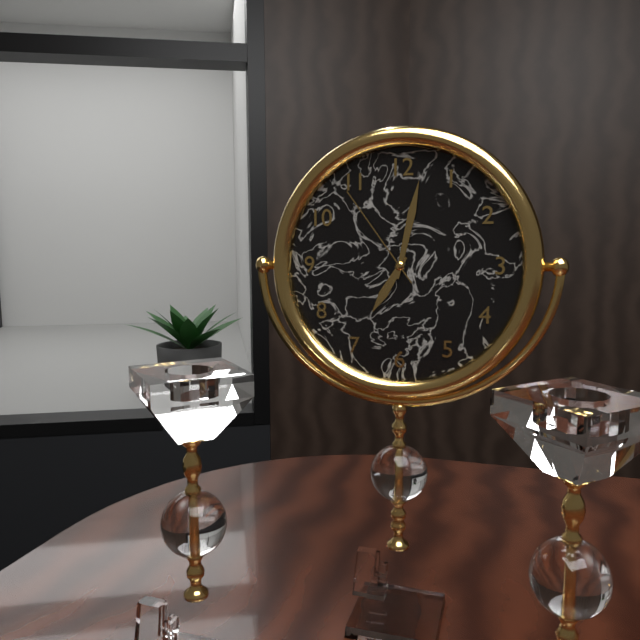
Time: 7h02m54s
